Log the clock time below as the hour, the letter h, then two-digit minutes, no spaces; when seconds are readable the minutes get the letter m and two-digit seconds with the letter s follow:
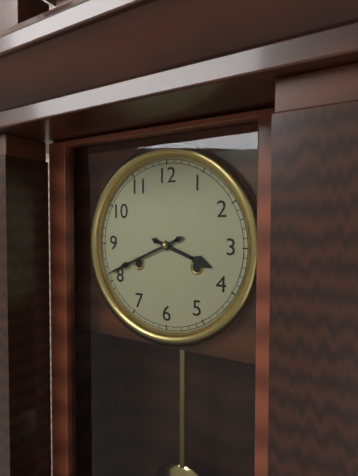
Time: 3h41
